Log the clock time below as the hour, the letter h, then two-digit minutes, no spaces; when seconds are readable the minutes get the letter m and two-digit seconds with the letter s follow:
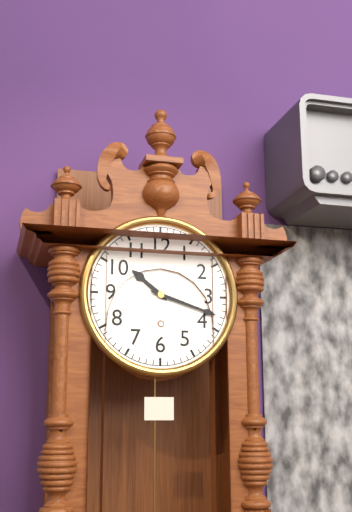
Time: 10h18
